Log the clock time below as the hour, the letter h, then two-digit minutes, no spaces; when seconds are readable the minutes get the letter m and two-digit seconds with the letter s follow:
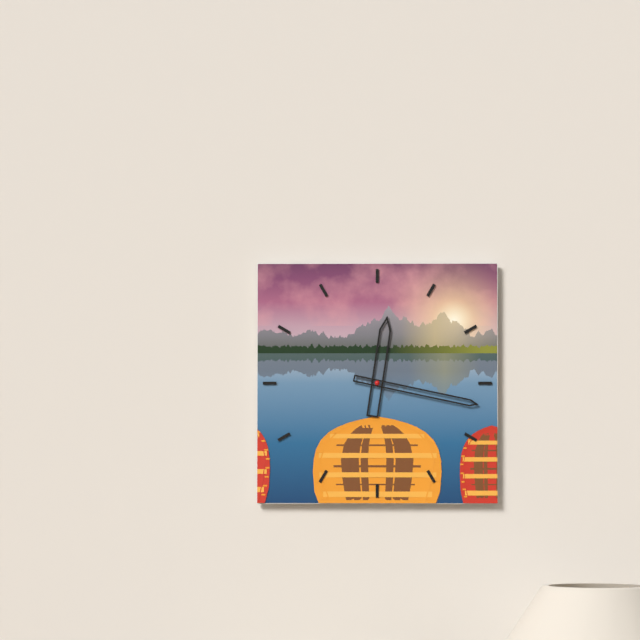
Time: 12h17
